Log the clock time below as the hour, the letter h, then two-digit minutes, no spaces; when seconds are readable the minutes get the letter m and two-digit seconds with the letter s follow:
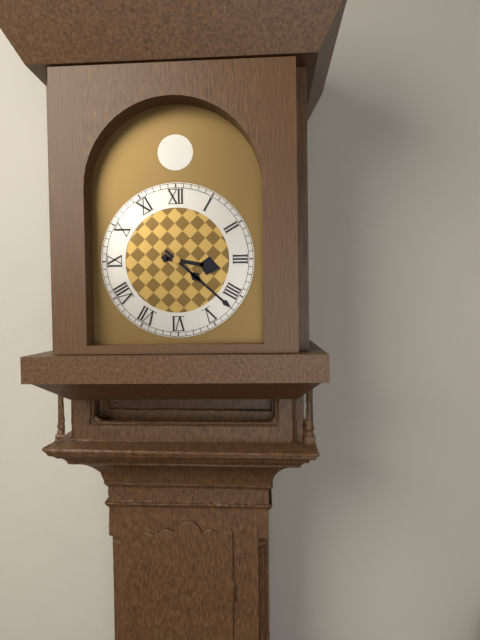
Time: 3h22
